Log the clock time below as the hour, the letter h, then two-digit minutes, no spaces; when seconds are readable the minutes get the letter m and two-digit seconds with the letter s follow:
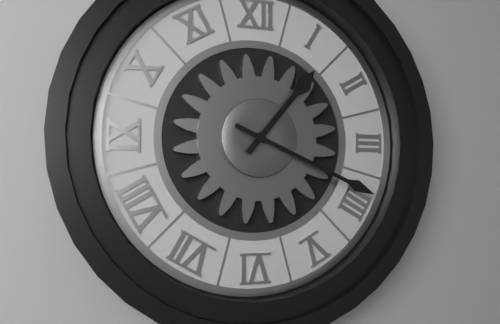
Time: 1h19
